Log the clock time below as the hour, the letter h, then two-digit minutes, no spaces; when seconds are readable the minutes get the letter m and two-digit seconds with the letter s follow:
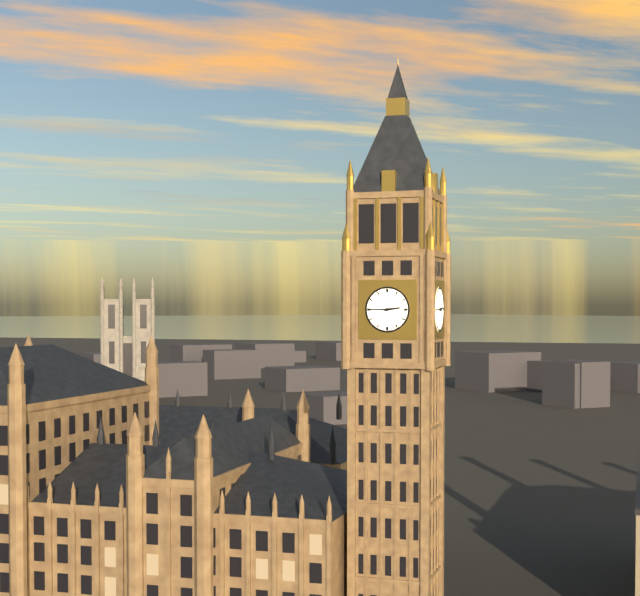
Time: 2h45
